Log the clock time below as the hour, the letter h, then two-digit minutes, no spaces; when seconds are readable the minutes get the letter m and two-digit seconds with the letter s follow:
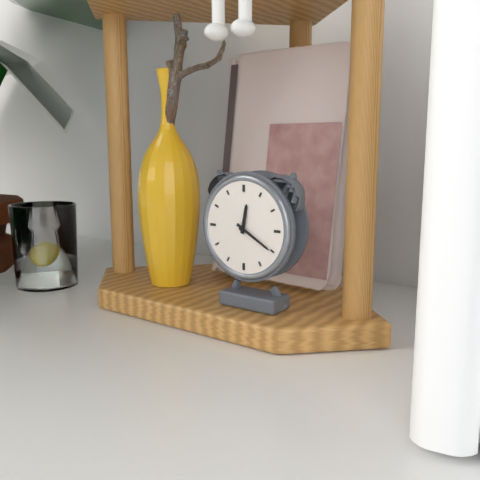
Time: 12h20
